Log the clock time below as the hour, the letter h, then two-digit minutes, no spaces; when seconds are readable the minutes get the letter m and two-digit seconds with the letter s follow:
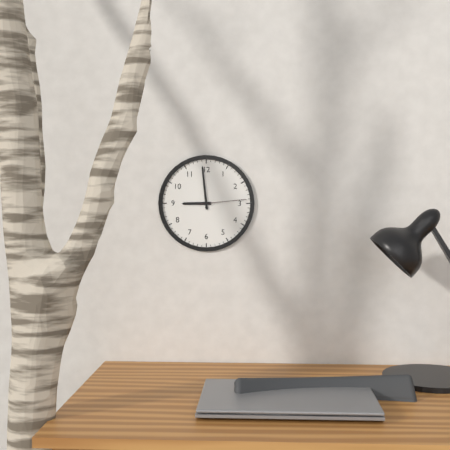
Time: 8h59m14s
